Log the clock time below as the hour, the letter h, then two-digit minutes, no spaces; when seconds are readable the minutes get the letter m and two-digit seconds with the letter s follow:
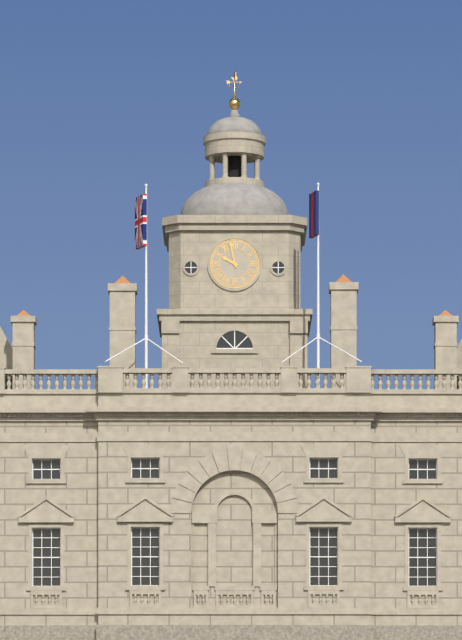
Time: 9h58
